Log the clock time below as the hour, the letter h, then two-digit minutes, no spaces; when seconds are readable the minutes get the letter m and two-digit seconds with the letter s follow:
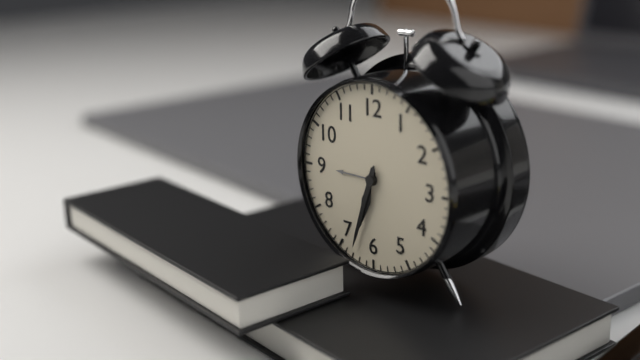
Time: 6h33
